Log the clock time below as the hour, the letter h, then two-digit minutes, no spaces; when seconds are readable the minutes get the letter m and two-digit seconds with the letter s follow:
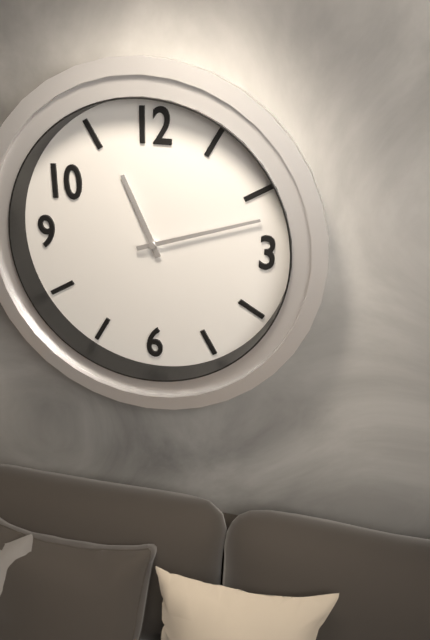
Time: 11h12
